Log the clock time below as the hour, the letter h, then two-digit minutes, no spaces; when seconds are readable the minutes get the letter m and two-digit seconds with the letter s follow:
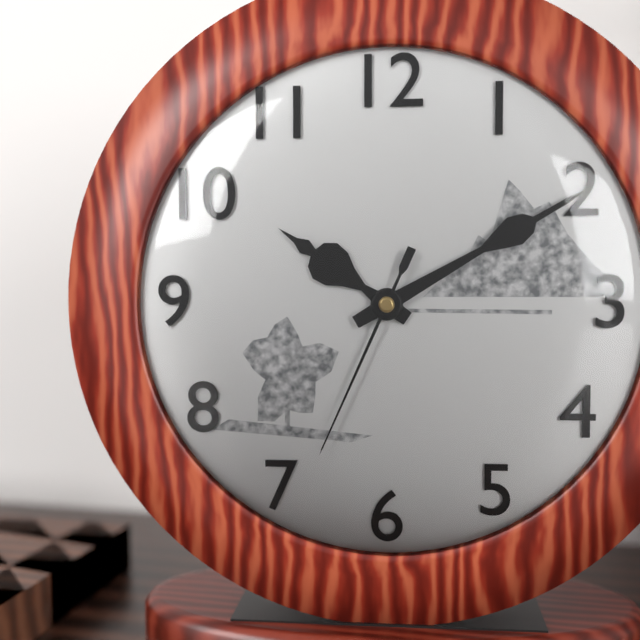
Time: 10h10m34s
